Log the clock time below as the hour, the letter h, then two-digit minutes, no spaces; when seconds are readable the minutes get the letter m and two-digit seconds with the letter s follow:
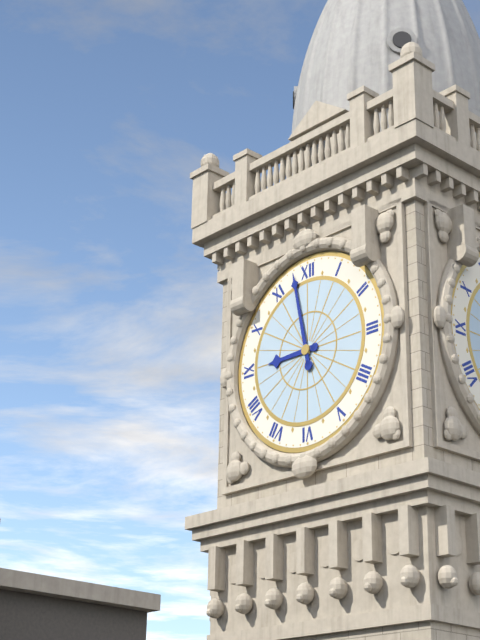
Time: 8h58
